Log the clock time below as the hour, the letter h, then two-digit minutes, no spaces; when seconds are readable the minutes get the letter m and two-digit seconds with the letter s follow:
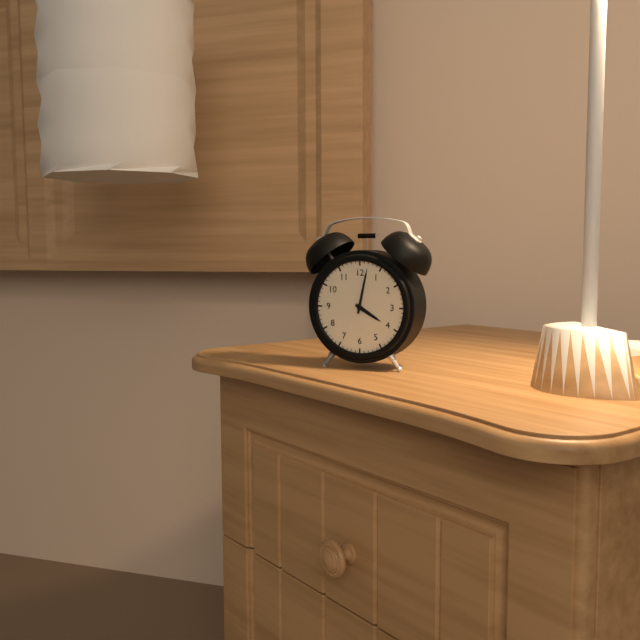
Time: 4h02
